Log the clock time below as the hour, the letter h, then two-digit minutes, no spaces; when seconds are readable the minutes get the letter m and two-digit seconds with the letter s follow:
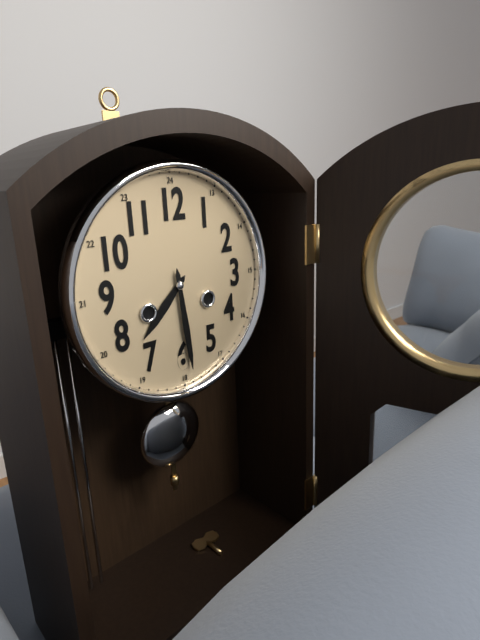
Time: 7h29
